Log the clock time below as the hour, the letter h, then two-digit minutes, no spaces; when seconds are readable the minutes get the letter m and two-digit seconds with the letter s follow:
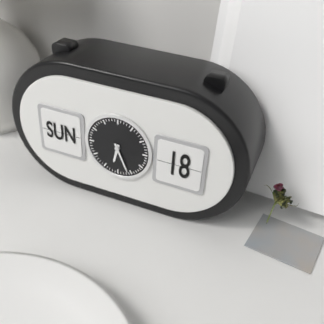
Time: 6h26
